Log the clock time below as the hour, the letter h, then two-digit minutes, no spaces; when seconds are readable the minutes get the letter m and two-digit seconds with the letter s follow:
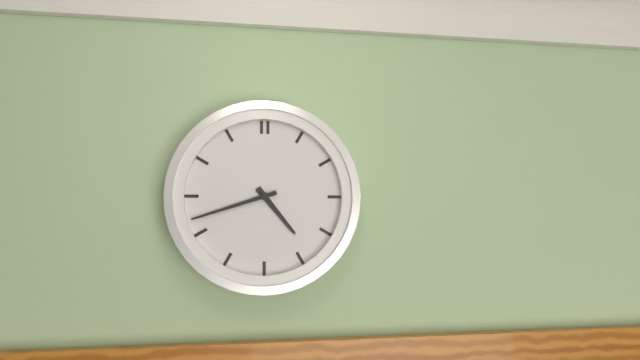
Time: 4h42
